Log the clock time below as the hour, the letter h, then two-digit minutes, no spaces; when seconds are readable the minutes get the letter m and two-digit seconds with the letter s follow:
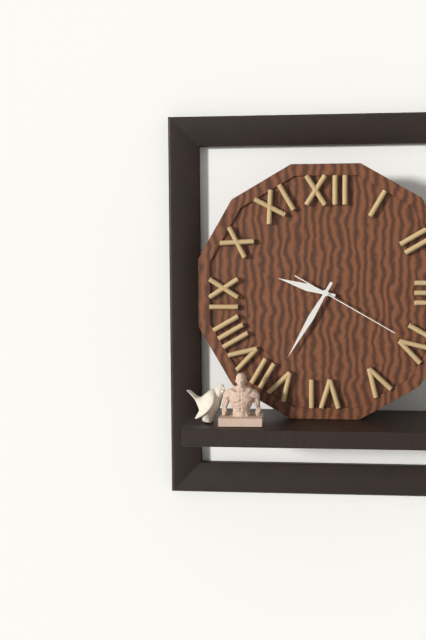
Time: 9h35m20s
